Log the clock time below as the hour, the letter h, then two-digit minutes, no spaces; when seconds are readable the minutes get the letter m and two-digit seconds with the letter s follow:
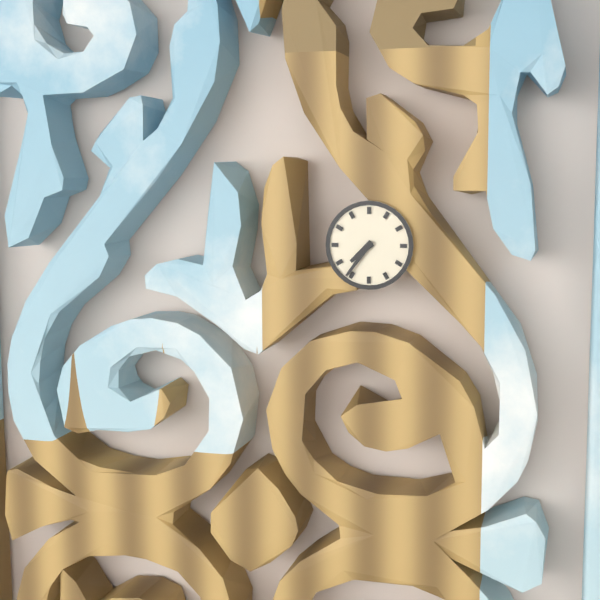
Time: 7h36
